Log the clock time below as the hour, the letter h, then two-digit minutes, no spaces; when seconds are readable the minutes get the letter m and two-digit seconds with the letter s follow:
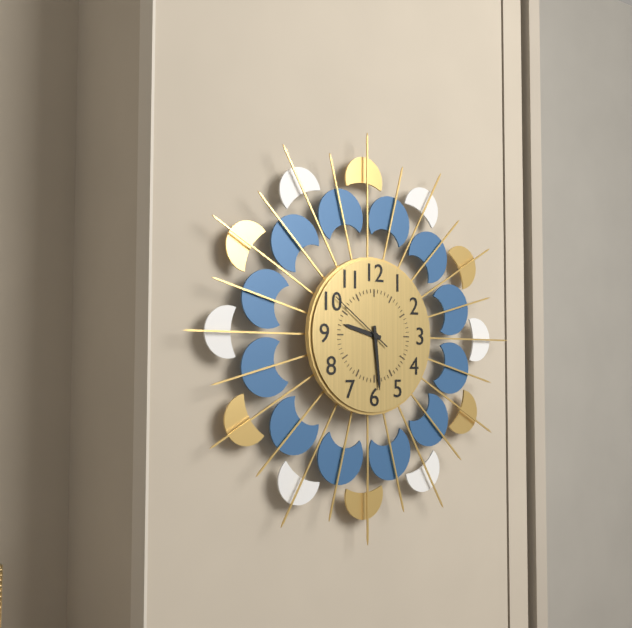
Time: 9h29m51s
